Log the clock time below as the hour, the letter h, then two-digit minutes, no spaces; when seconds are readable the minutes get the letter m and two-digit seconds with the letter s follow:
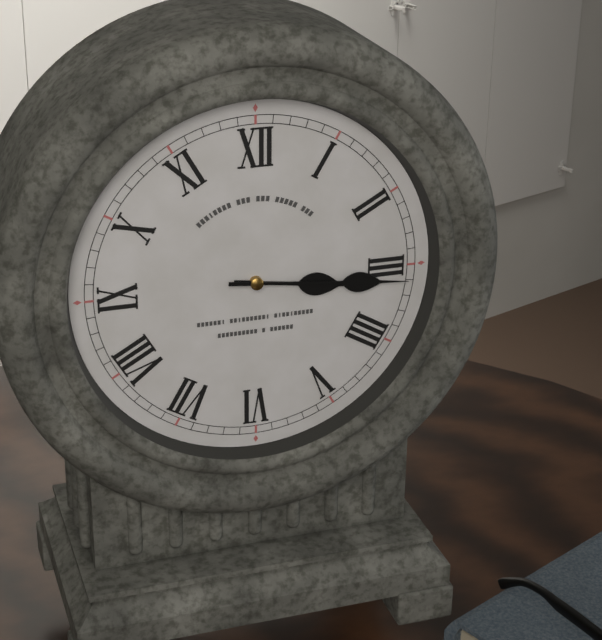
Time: 3h16
